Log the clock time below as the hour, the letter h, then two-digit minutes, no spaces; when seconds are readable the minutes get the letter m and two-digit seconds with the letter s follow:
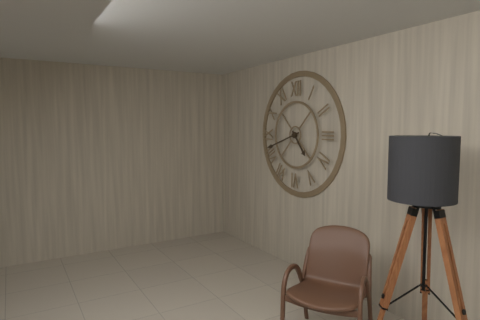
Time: 4h42
